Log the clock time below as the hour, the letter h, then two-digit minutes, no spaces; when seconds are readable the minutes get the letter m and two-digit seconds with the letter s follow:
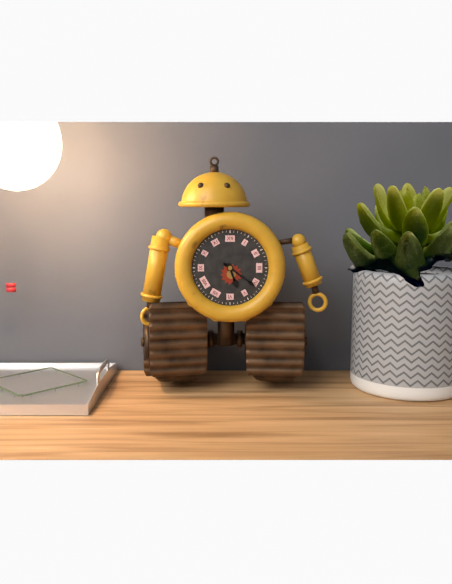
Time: 5h21
